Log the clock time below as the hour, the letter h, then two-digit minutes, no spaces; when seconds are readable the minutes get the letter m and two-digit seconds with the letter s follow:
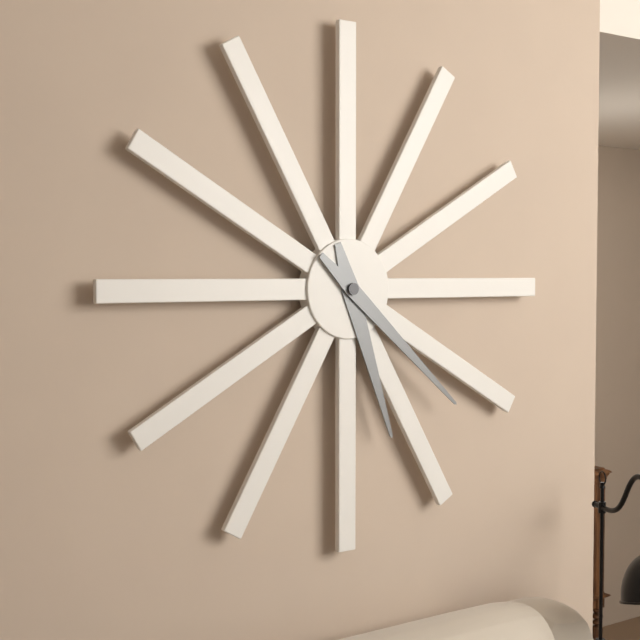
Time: 5h22
